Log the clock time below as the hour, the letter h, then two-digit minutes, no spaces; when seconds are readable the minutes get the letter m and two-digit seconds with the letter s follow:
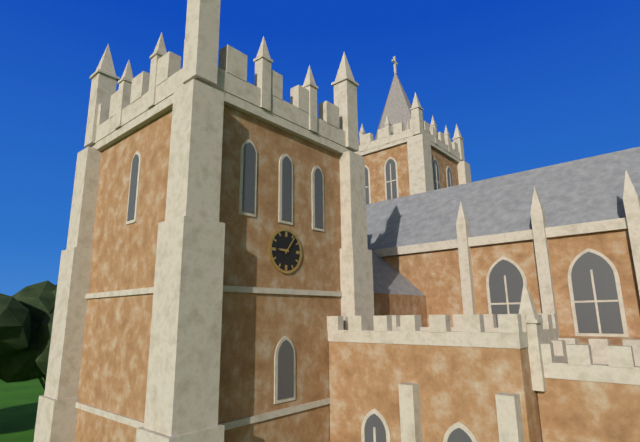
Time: 9h06
